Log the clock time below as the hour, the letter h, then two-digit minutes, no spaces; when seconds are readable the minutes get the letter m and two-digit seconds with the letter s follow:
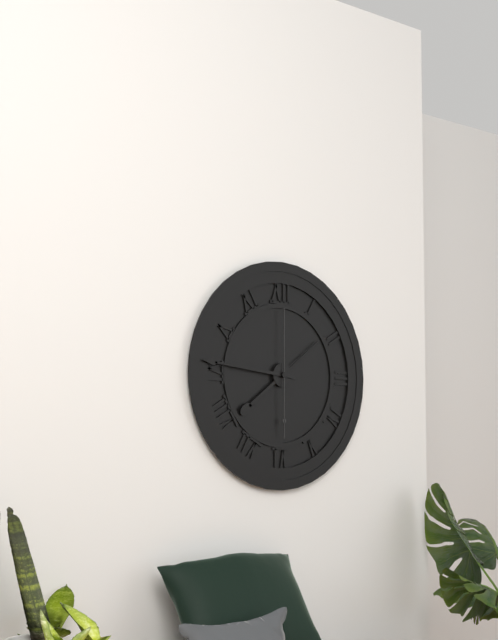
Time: 7h46m00s
